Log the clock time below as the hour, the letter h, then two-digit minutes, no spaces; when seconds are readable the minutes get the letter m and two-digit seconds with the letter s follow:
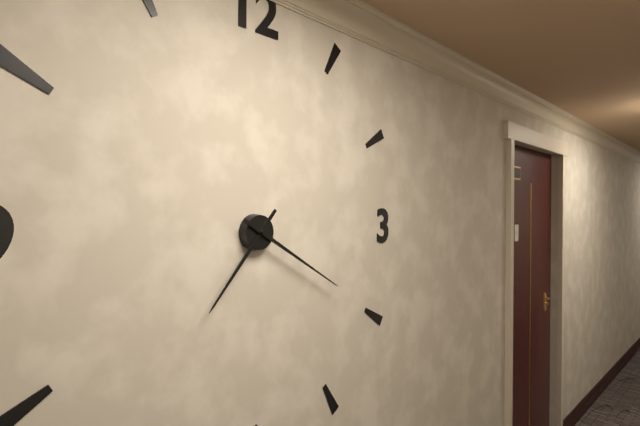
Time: 7h20
